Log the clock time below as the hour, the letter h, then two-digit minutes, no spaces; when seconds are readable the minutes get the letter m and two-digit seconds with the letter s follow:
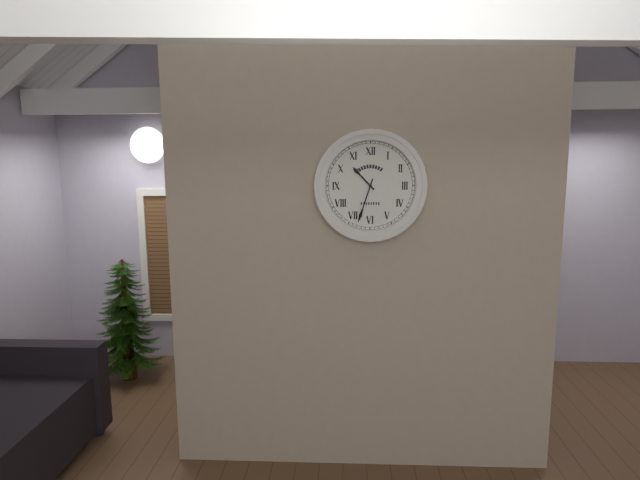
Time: 10h33
